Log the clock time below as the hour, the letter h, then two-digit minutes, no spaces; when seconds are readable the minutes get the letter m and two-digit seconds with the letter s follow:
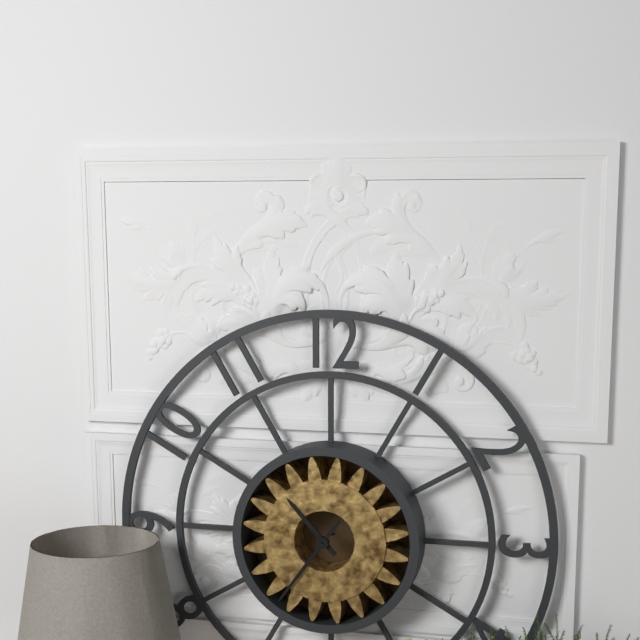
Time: 10h36
